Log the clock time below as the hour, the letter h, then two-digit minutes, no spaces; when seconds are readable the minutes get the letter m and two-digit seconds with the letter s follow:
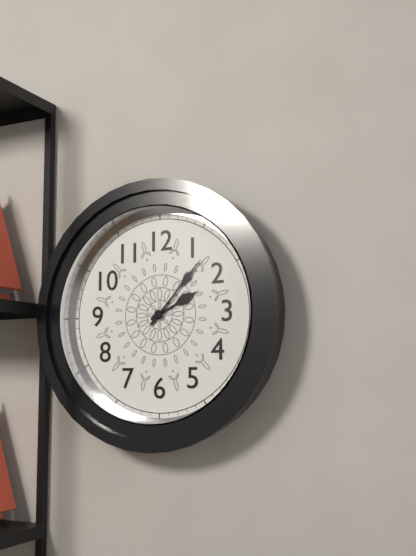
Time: 2h07
